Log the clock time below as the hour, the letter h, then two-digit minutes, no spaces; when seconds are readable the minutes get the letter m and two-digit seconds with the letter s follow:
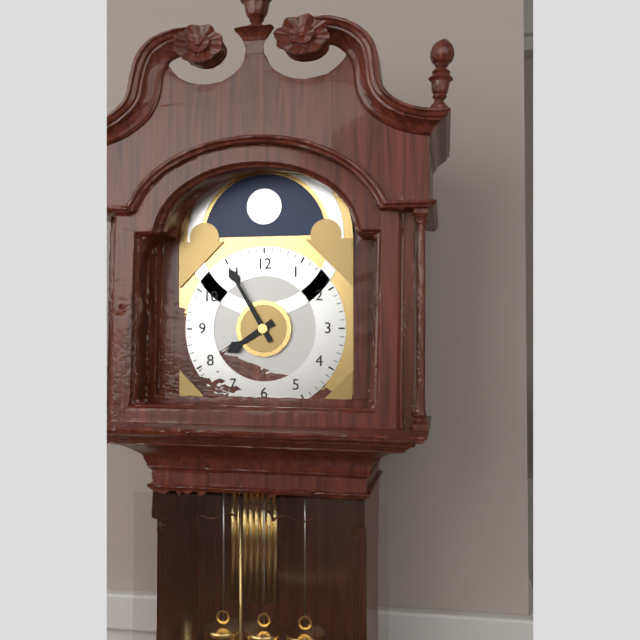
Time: 7h55
